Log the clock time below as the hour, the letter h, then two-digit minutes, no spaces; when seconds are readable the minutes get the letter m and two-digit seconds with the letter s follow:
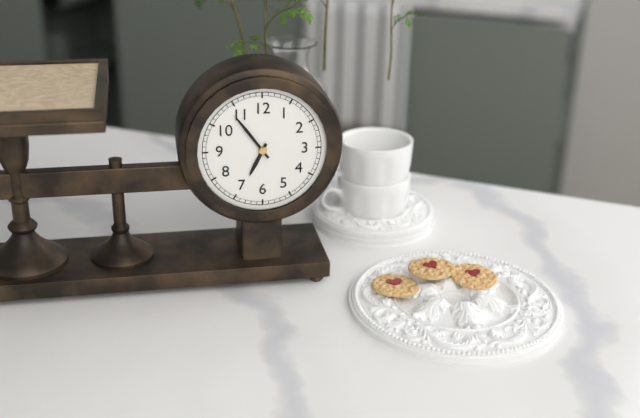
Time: 6h54
